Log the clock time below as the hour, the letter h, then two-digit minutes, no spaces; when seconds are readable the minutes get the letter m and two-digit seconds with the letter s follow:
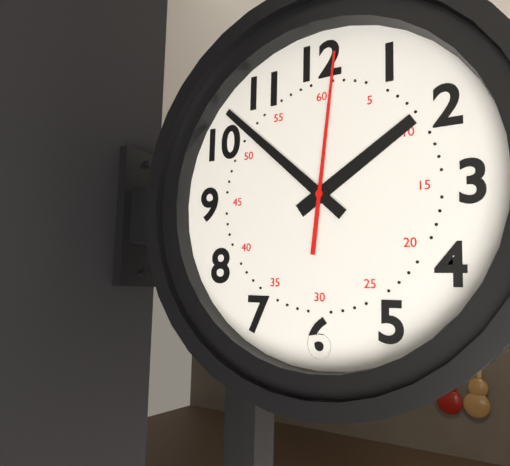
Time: 1h52m01s
